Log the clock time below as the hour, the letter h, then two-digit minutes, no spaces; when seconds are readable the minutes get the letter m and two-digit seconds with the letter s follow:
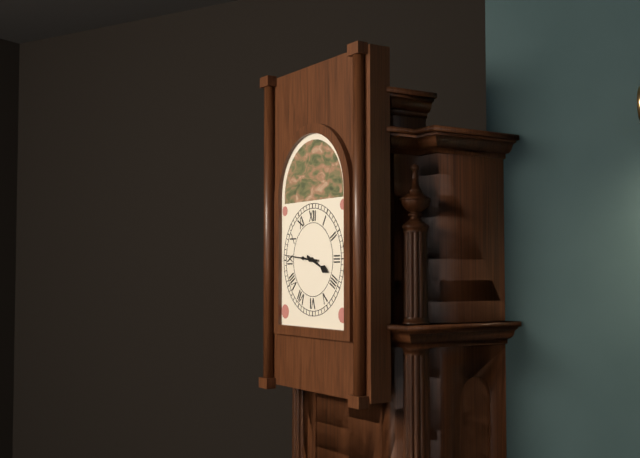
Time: 3h46
